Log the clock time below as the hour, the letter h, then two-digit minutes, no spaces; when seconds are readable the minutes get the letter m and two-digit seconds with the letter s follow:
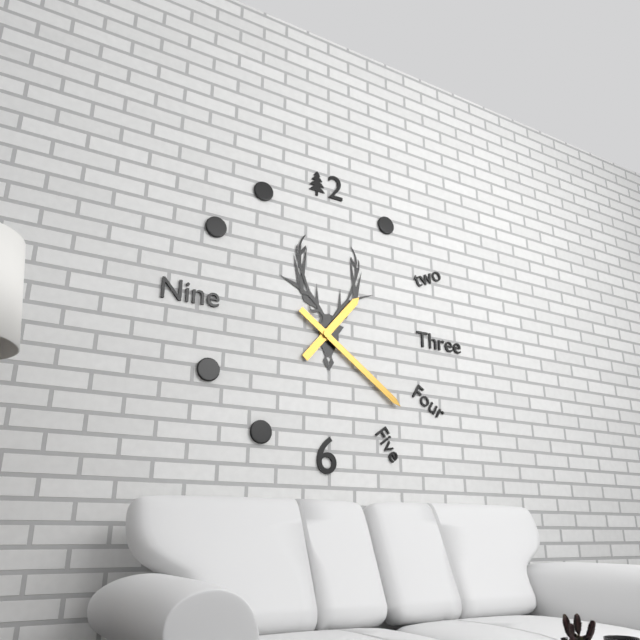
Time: 1h21
